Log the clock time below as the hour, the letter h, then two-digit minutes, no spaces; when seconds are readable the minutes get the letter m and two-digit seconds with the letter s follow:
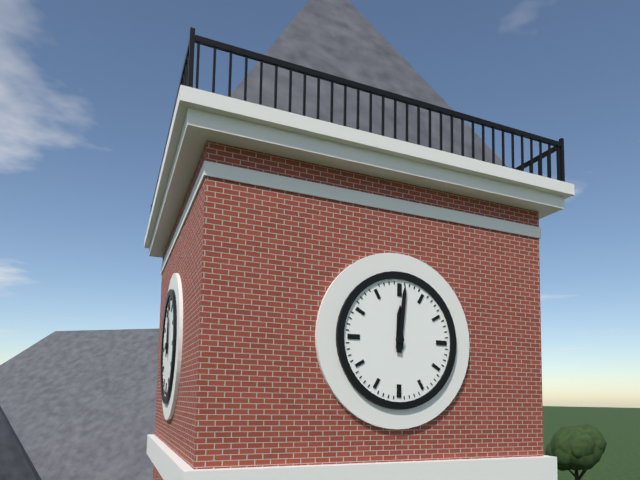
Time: 12h01
